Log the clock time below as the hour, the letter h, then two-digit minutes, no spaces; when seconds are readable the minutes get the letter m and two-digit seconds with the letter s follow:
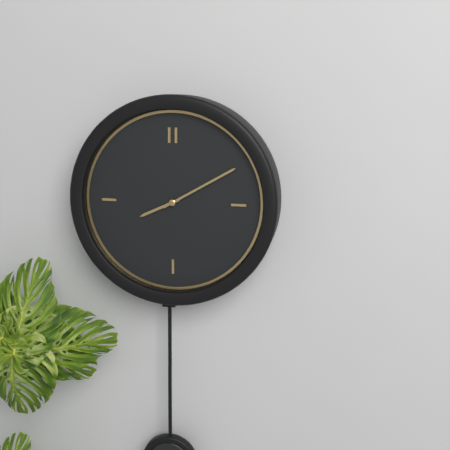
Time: 8h10
